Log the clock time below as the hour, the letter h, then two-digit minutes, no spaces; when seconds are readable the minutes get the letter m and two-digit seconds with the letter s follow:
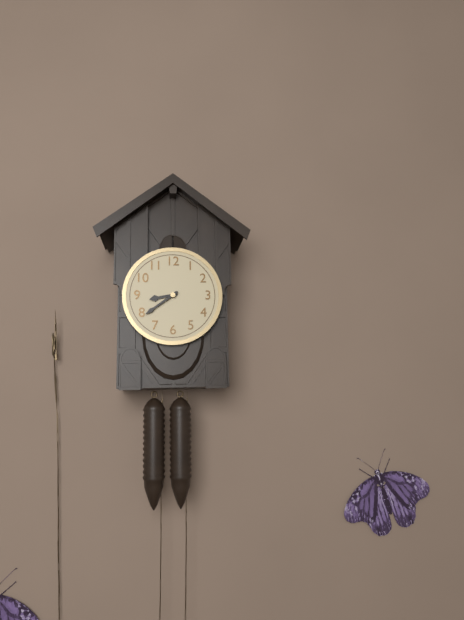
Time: 8h39
